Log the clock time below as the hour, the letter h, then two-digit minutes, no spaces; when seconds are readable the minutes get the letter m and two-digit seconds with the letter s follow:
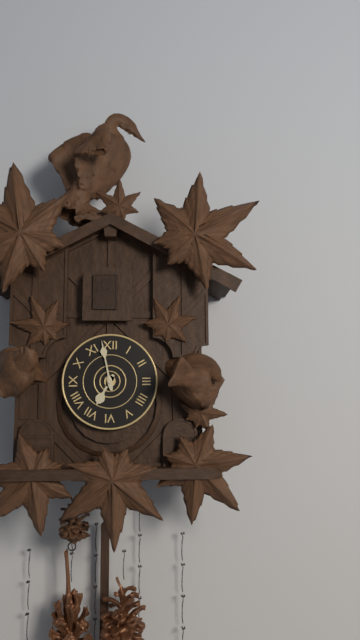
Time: 6h58
